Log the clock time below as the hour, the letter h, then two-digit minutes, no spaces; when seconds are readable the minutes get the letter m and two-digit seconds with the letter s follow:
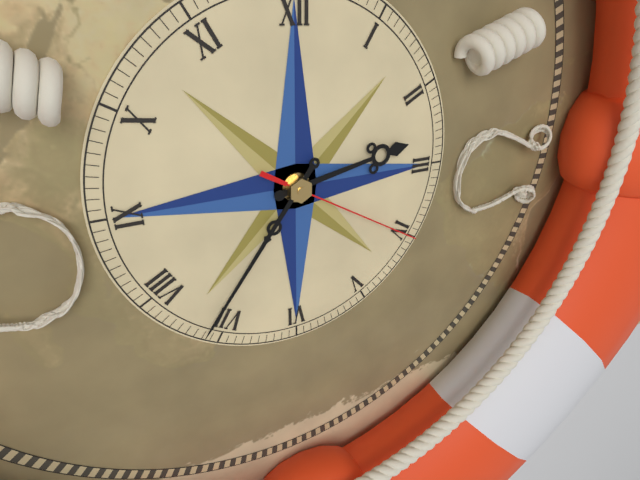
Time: 2h36m20s
